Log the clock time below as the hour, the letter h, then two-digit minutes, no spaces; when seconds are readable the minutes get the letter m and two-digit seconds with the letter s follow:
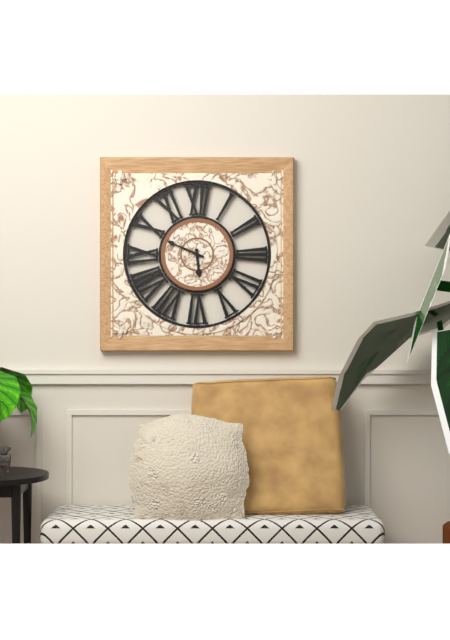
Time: 5h49
